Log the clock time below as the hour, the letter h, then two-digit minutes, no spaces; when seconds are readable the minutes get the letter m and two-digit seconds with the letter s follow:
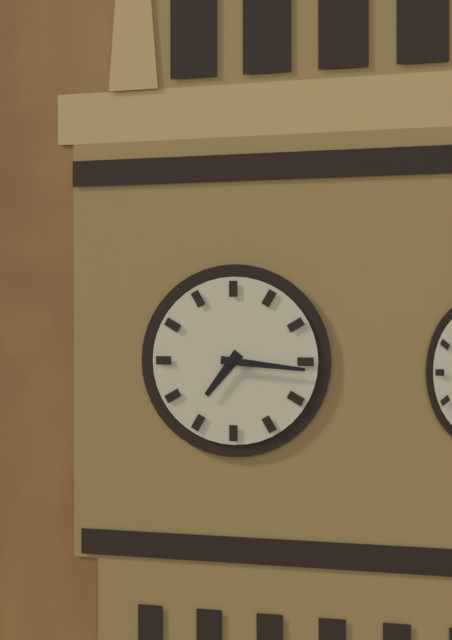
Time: 7h16
